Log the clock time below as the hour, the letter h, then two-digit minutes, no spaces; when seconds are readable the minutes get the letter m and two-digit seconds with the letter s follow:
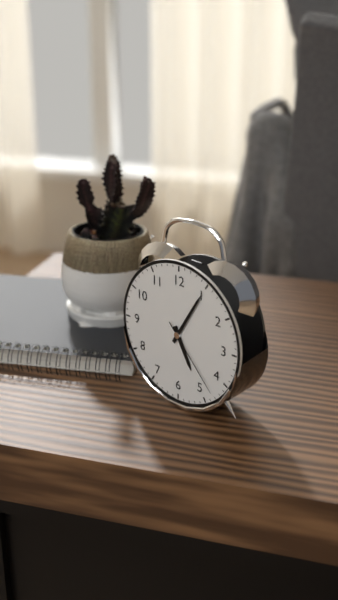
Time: 5h05m23s
